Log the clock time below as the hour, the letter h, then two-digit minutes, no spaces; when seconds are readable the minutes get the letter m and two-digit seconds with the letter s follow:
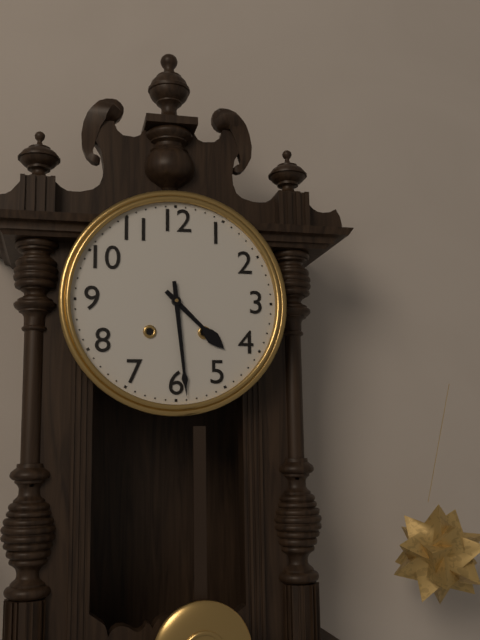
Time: 4h29
